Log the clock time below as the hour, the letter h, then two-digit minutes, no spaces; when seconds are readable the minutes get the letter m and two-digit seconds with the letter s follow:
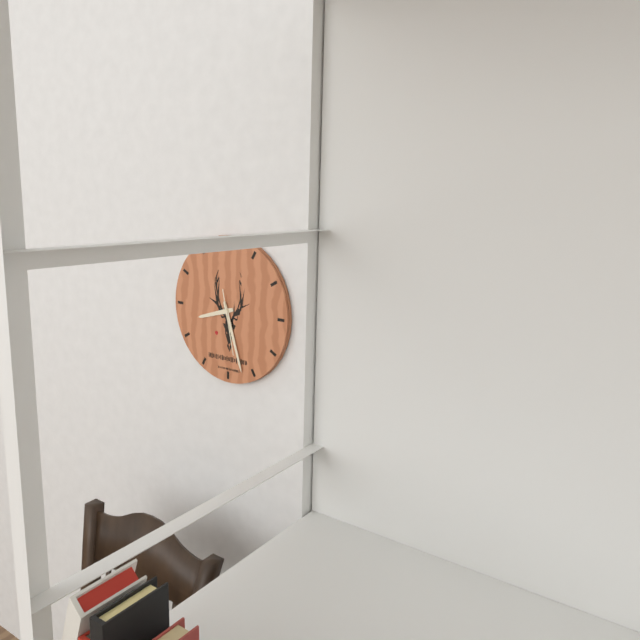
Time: 8h27m28s
